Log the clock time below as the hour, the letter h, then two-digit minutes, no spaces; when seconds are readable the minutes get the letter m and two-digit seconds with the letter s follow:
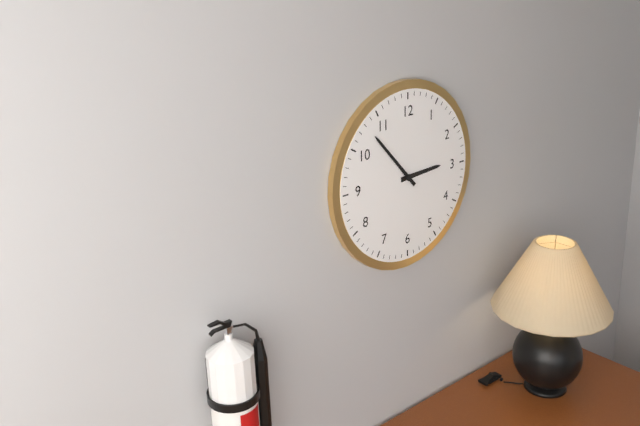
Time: 2h53
